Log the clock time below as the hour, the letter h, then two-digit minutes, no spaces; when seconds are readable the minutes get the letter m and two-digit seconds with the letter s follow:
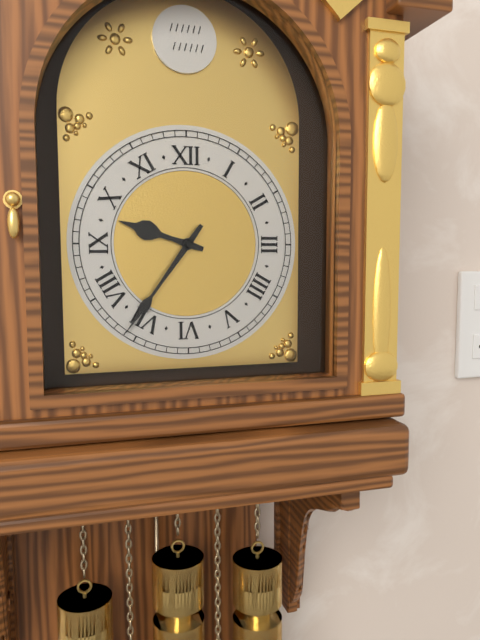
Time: 9h36
